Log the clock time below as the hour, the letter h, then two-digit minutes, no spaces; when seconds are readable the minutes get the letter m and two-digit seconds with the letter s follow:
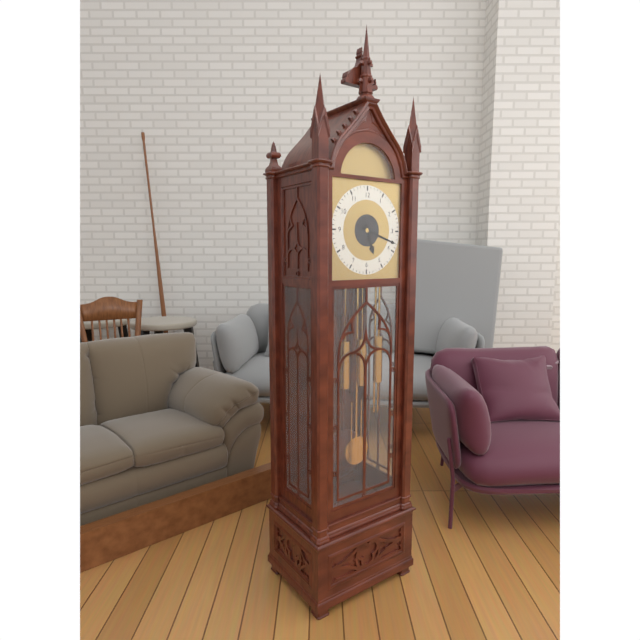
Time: 5h18
